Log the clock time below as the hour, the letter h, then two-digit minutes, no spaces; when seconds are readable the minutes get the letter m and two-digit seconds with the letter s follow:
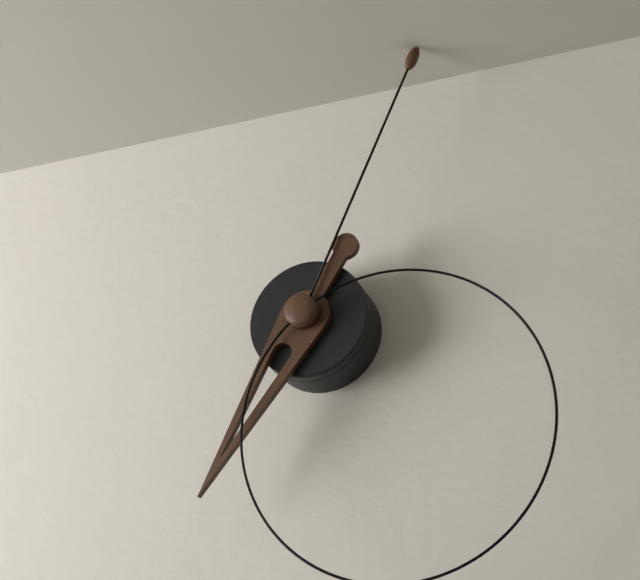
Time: 7h04m24s
